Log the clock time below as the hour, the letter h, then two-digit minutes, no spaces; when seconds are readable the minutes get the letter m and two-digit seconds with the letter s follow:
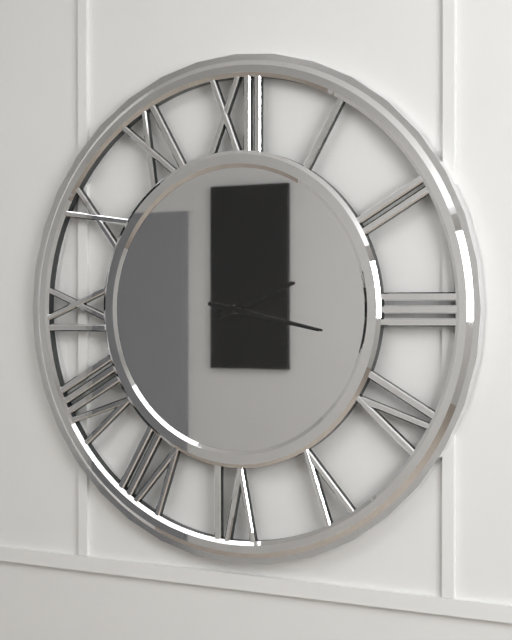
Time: 2h17
